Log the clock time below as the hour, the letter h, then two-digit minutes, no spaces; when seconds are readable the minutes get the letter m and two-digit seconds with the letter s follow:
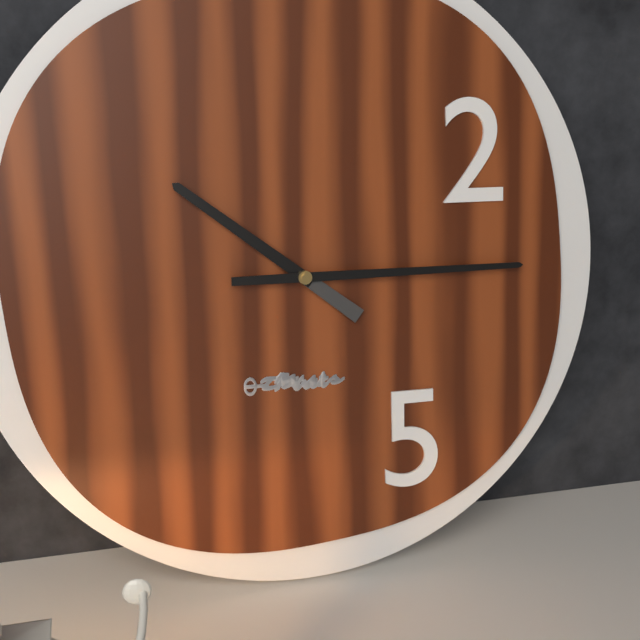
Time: 10h15
